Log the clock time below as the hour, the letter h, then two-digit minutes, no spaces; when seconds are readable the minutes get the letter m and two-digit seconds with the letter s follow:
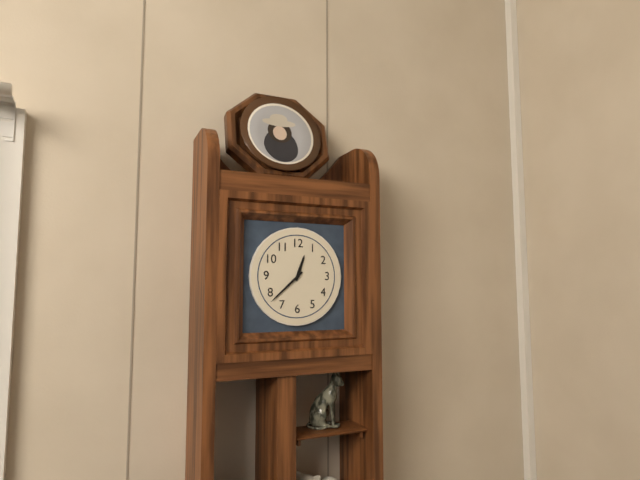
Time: 12h38
